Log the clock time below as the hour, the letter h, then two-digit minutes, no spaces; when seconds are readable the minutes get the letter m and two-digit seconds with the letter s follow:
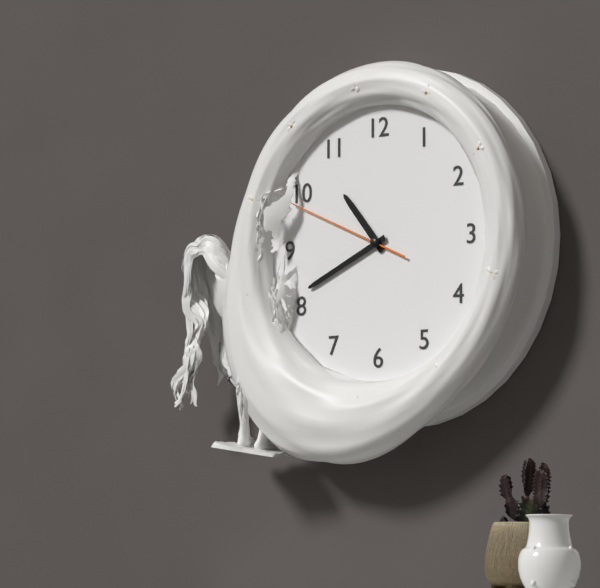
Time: 10h41m49s
